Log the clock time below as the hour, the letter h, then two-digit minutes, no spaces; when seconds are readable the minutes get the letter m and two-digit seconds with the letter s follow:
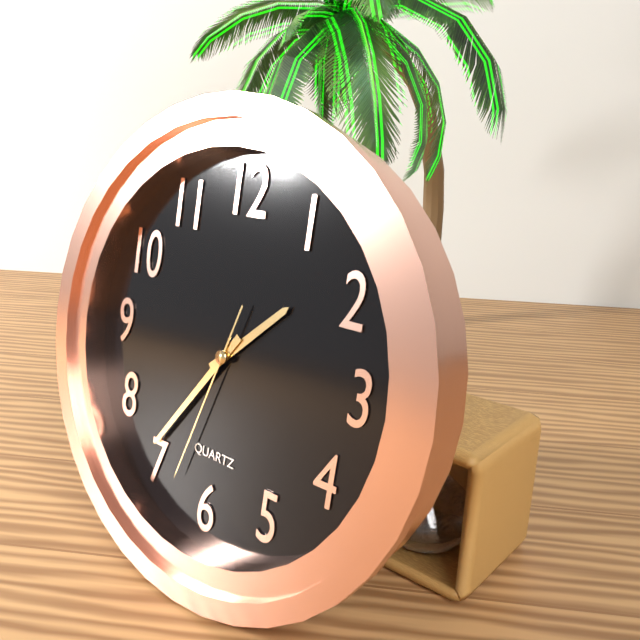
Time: 1h36m33s
